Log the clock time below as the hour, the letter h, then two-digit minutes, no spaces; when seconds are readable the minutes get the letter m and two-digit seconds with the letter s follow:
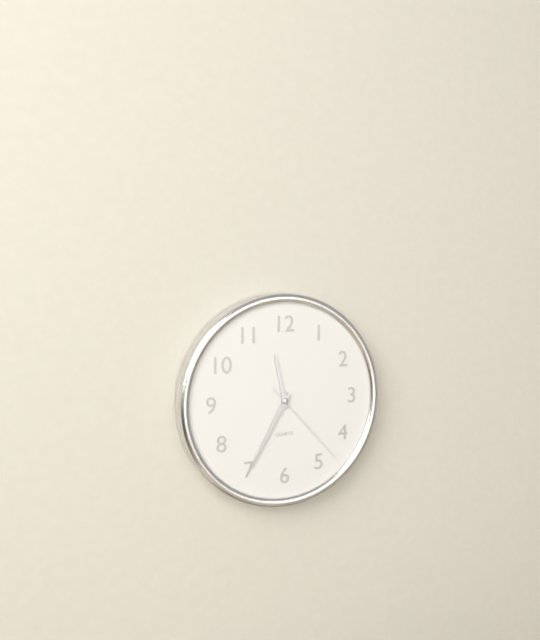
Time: 11h35m23s
